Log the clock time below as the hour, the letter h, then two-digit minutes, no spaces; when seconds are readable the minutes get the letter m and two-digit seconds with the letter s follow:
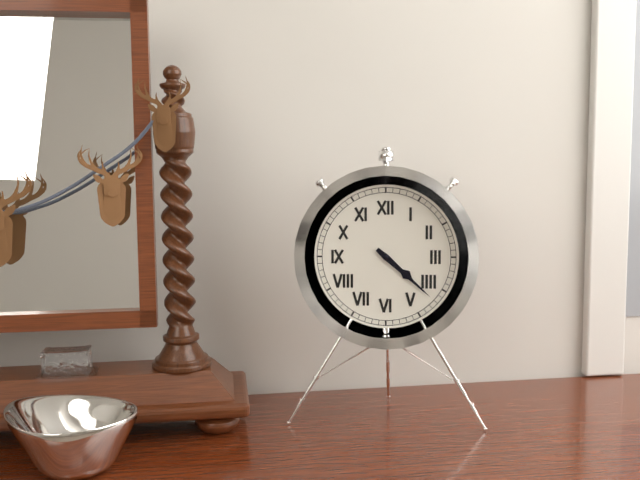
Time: 4h22
